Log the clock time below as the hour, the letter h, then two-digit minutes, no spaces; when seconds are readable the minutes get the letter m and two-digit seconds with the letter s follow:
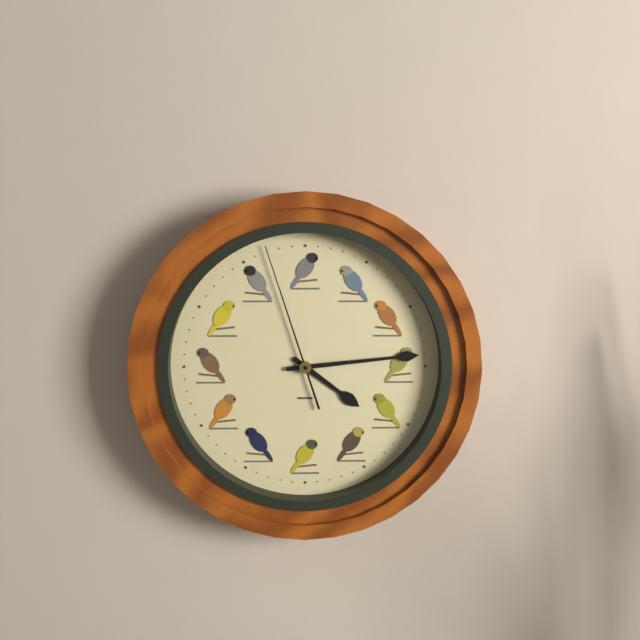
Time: 4h14m57s
